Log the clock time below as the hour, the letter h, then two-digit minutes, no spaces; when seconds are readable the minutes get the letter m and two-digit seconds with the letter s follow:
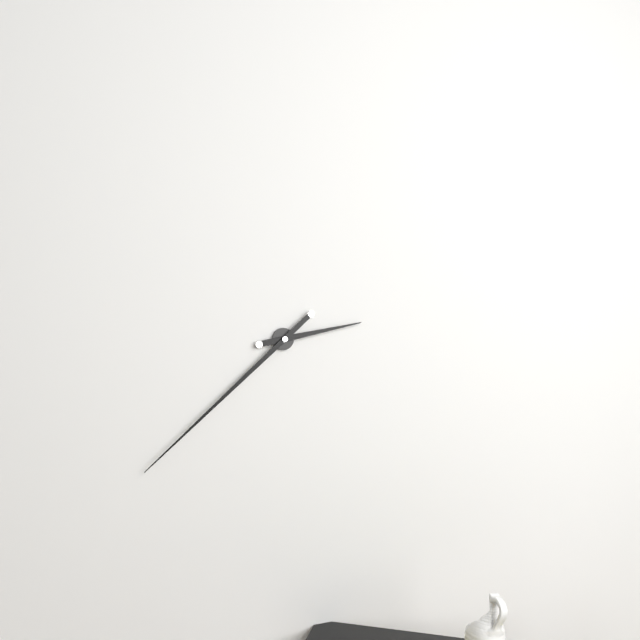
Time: 2h38
